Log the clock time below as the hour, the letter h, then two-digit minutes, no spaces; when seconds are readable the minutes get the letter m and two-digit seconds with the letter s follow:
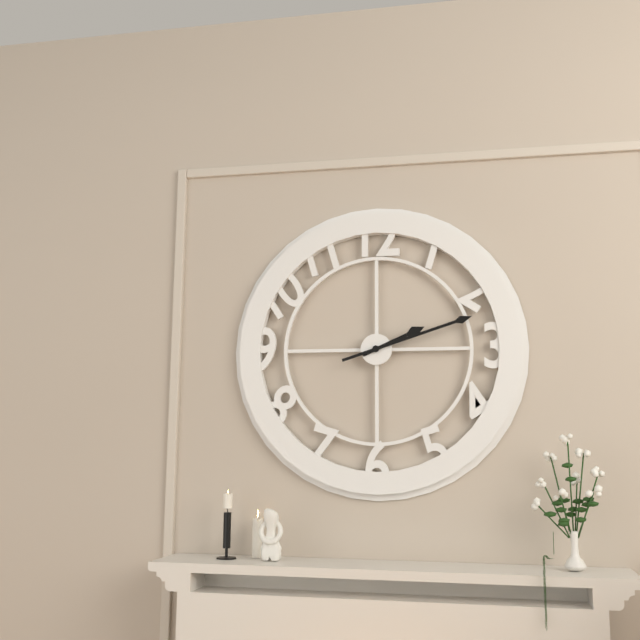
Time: 2h12
